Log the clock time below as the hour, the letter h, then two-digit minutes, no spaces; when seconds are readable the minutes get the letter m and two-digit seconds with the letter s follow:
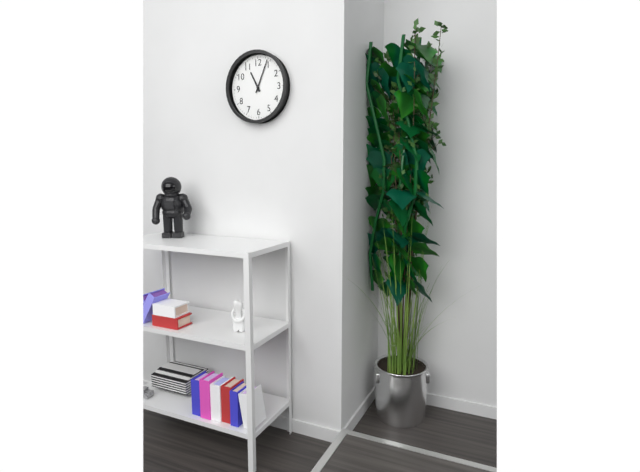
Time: 11h04
